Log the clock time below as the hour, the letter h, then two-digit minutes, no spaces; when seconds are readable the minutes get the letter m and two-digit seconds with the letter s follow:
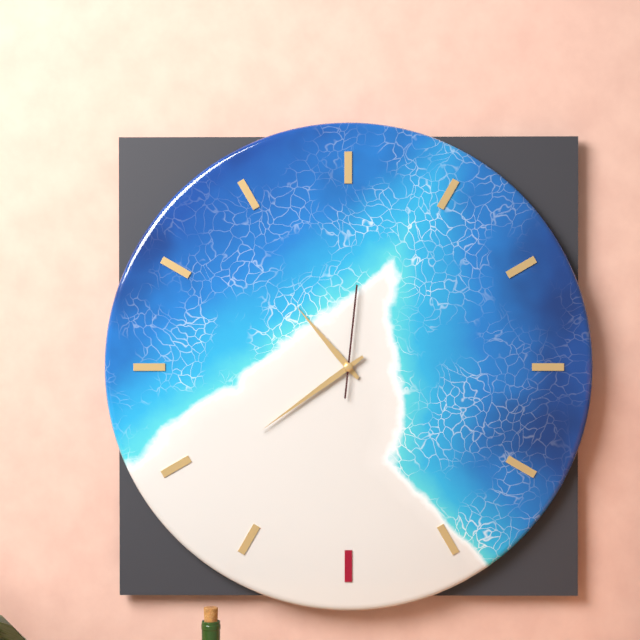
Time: 10h39m01s
